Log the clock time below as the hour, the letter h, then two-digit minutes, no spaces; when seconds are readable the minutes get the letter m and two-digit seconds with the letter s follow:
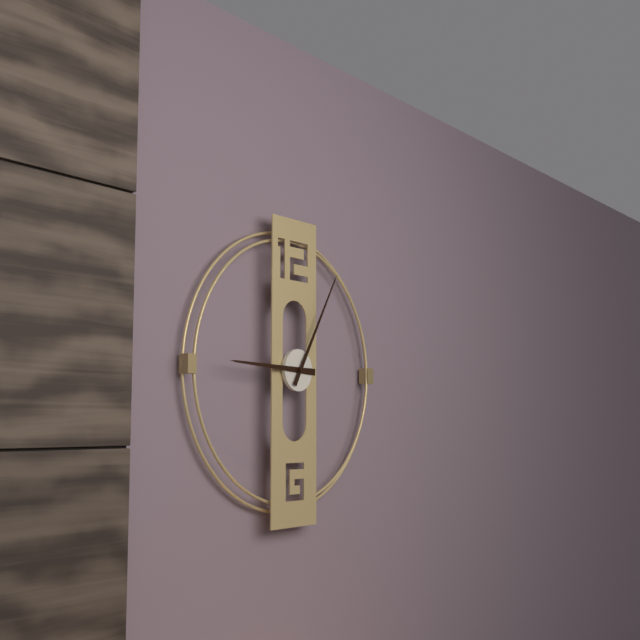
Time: 9h05
